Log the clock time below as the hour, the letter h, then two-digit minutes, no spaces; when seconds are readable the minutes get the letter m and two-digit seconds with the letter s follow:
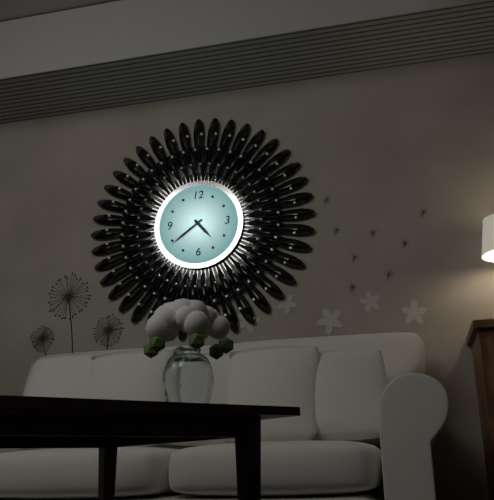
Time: 4h39
